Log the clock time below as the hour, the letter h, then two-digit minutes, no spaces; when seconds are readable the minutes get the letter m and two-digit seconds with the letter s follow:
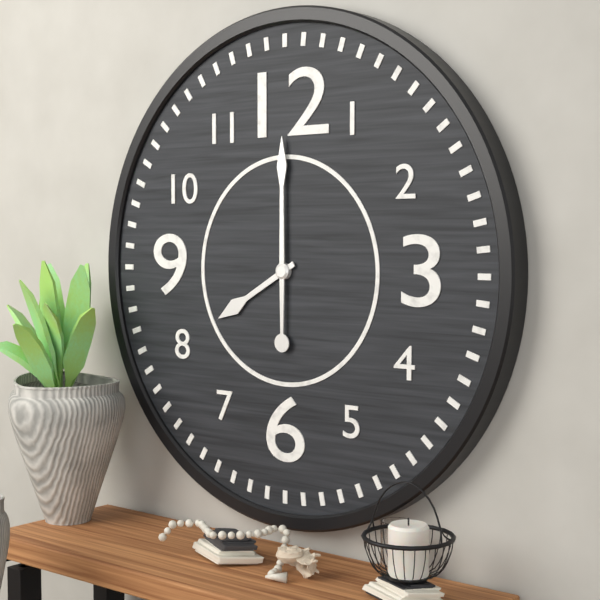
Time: 8h00
